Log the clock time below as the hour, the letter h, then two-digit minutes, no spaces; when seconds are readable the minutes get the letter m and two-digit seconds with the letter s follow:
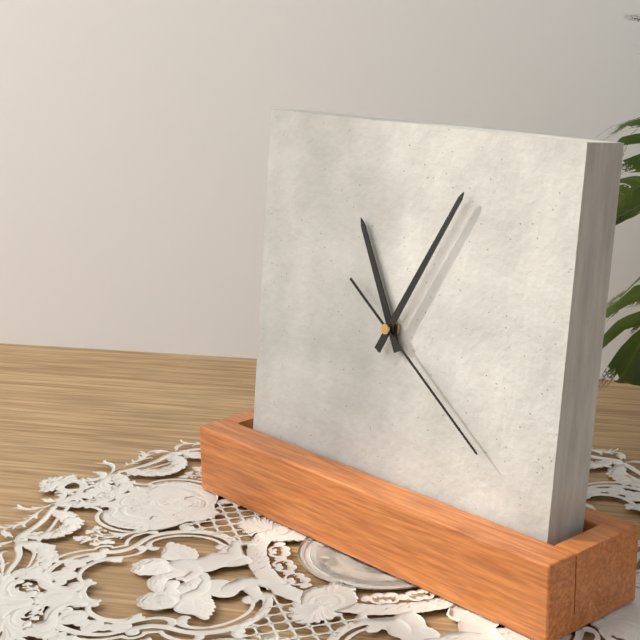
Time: 11h05m21s
